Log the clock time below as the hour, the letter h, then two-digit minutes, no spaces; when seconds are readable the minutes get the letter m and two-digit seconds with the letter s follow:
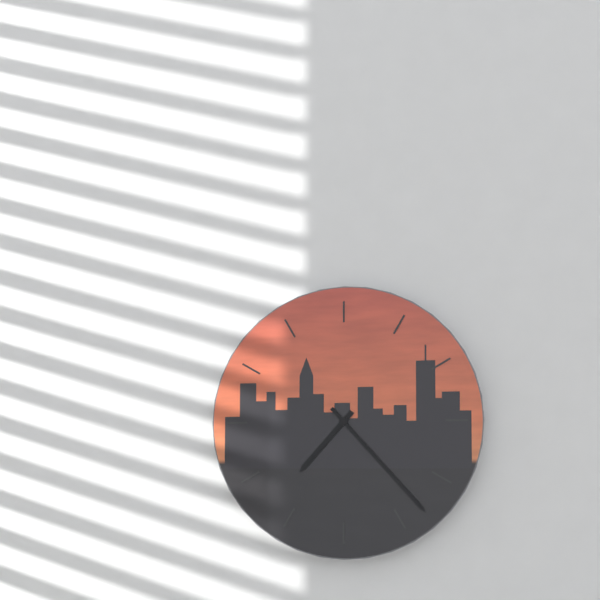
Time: 7h23
